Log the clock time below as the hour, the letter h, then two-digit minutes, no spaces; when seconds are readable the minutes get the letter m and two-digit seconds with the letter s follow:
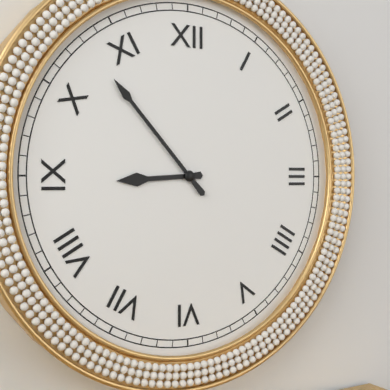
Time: 8h53
